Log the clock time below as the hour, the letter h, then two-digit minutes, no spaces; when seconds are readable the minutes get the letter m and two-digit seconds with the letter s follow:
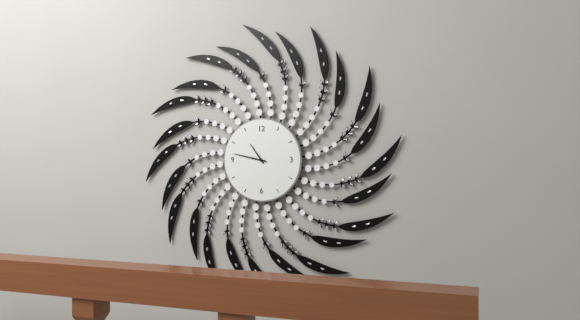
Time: 10h47
